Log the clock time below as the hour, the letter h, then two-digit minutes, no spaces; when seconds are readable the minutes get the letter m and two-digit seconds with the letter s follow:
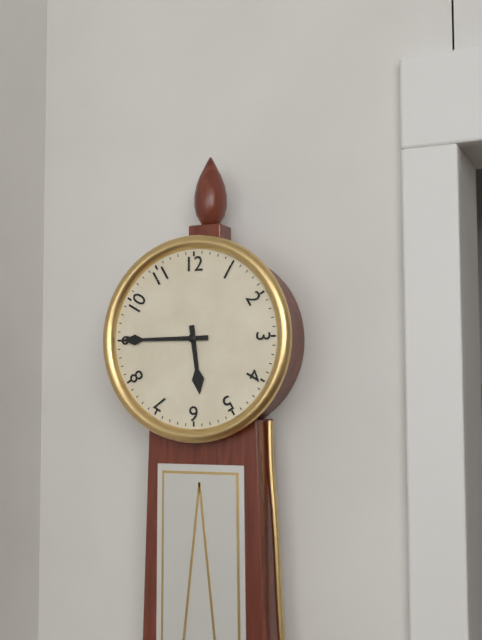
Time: 5h45
